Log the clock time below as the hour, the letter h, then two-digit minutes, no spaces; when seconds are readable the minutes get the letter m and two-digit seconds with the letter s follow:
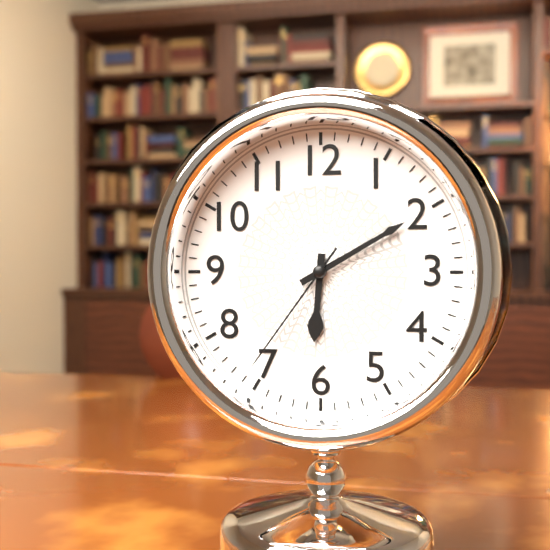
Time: 6h10m36s
